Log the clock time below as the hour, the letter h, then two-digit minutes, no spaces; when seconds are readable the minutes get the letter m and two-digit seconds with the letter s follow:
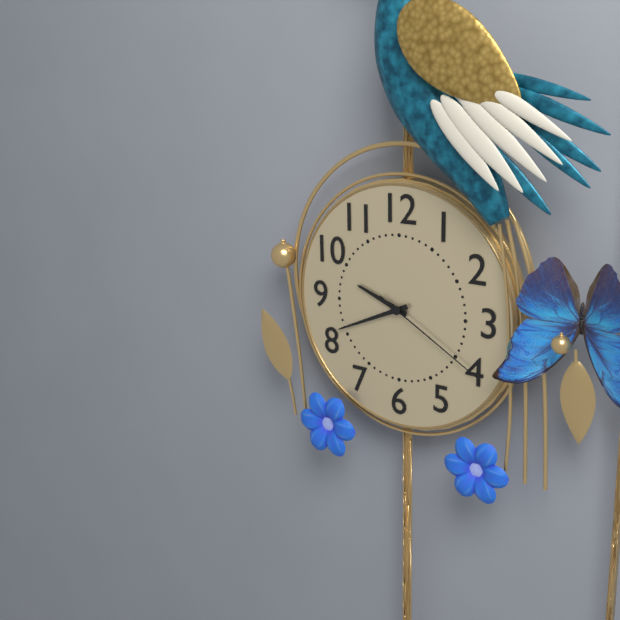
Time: 9h41m20s
